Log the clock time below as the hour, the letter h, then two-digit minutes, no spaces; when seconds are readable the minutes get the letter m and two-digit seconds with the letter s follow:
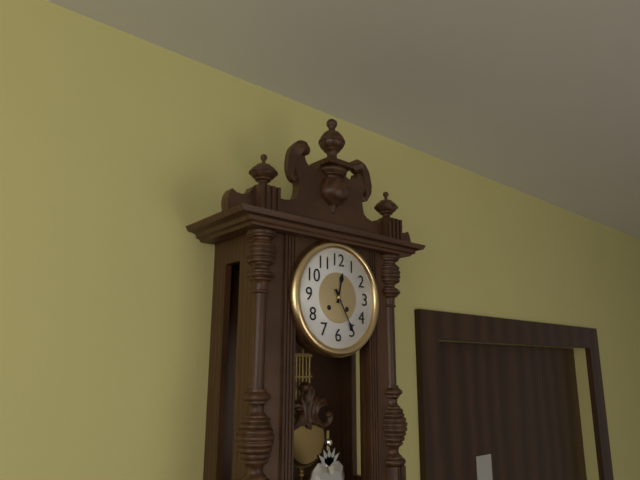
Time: 12h25
